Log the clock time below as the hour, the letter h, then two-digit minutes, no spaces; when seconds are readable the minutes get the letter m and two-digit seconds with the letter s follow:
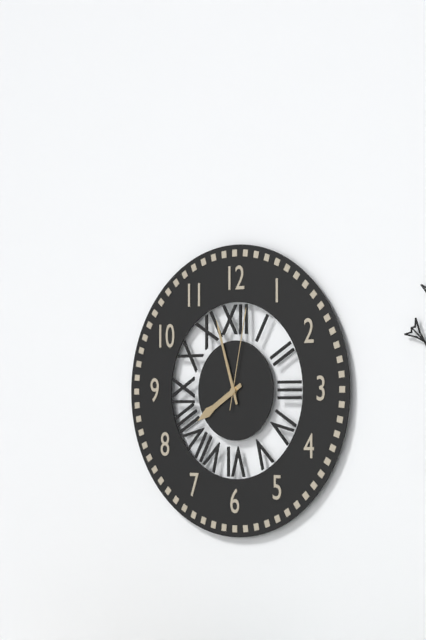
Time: 7h57m02s
